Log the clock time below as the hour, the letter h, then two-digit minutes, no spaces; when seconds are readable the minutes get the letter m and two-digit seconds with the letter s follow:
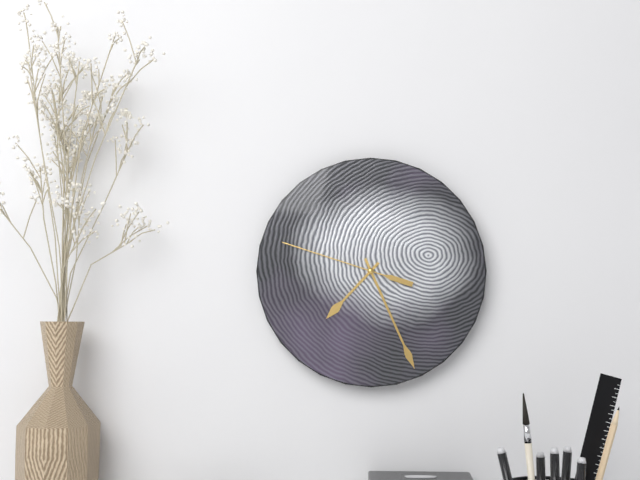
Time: 7h26m48s
